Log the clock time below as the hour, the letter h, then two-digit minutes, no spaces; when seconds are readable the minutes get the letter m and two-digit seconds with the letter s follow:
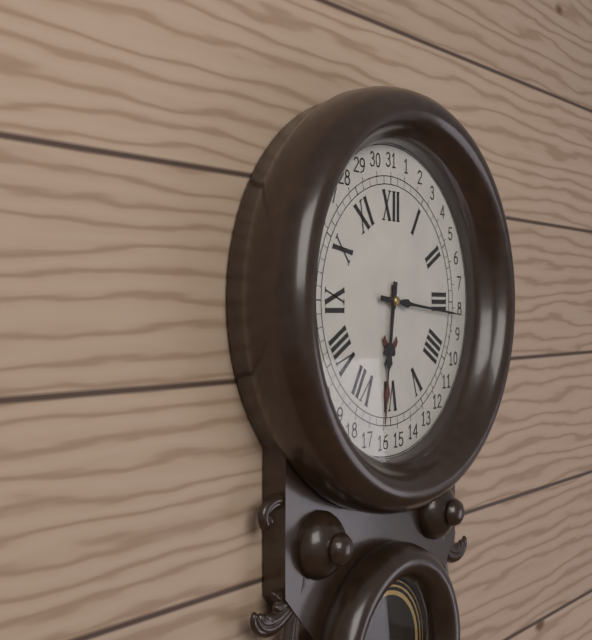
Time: 6h16
